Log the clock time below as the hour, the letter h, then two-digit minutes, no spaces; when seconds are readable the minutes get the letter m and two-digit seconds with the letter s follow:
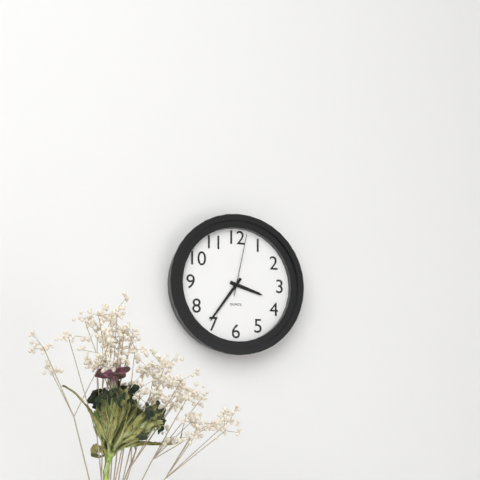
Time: 3h36m02s
